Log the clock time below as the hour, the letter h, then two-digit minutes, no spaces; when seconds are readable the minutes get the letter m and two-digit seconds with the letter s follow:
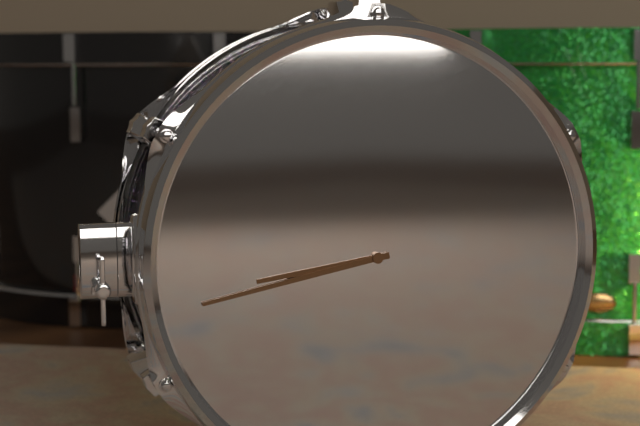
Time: 8h43
